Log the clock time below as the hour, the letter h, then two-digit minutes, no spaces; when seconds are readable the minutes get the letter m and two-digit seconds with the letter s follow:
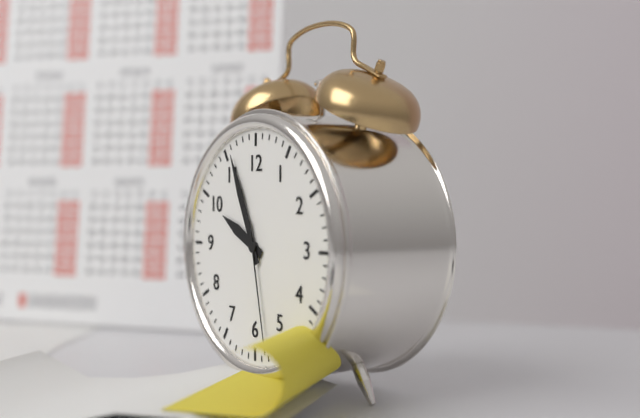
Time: 9h56m28s
